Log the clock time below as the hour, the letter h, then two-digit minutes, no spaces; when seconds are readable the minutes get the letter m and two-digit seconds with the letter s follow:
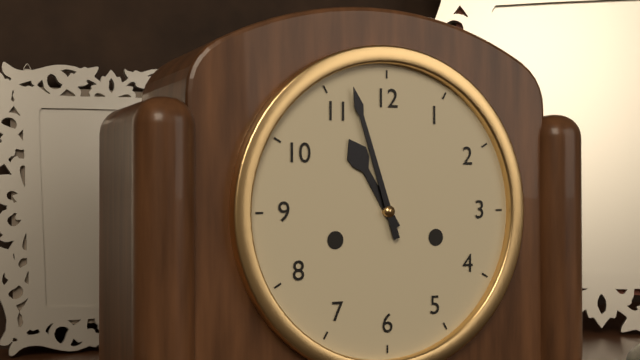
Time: 10h57
